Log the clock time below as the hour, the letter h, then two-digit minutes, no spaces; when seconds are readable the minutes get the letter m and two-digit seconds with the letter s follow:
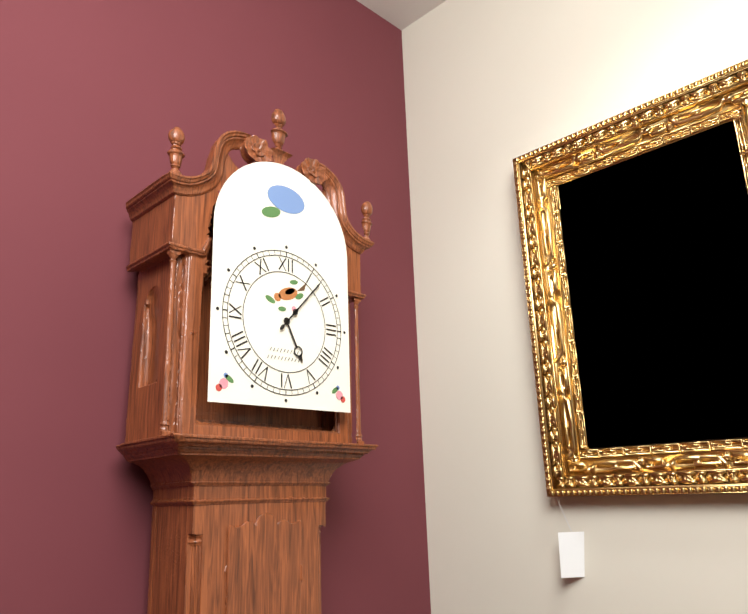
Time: 5h07
